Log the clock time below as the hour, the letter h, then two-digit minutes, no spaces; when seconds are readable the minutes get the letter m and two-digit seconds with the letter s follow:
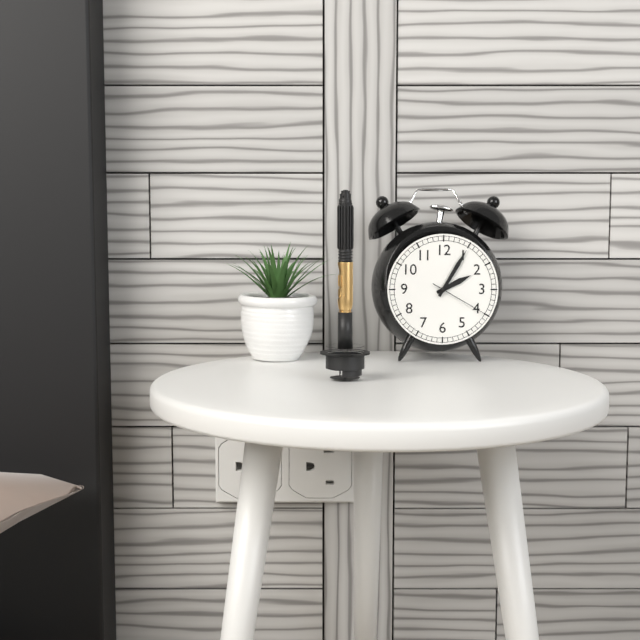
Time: 2h05m20s
